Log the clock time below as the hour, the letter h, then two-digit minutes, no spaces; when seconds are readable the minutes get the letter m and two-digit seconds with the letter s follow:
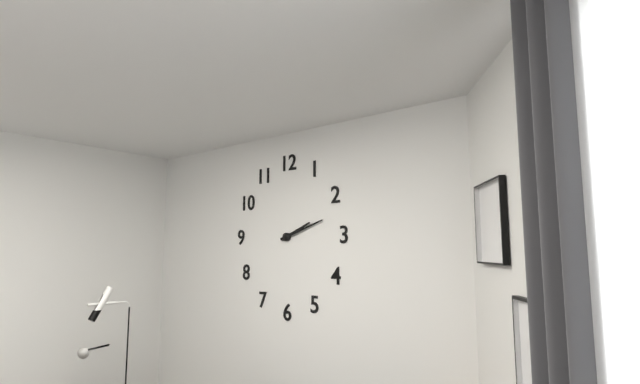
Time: 2h12
